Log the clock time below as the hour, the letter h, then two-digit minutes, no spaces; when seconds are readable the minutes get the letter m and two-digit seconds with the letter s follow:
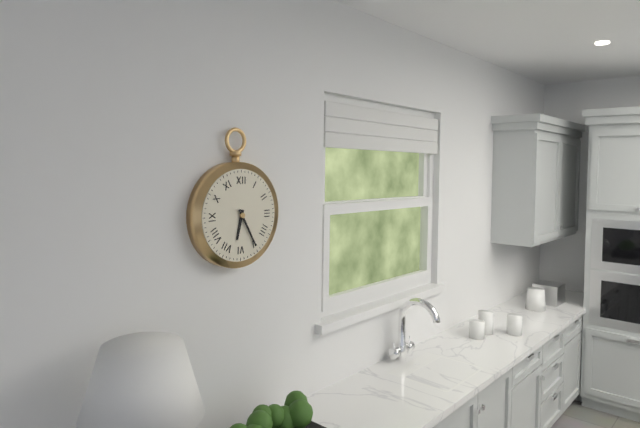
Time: 6h25
